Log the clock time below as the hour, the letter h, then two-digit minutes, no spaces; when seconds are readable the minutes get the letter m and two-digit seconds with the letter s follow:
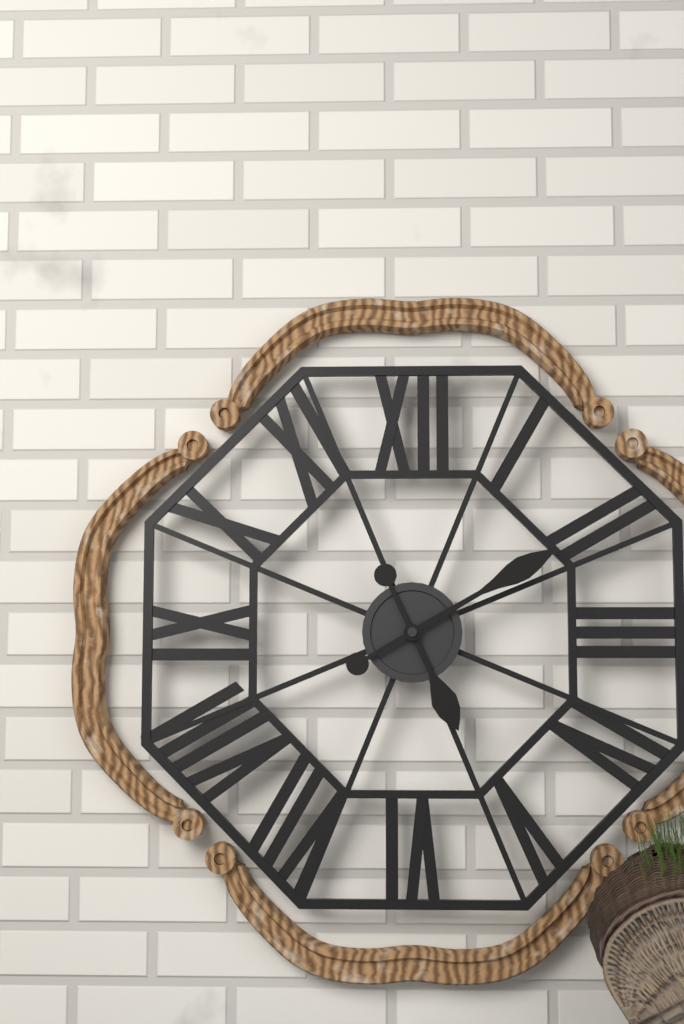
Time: 5h10
